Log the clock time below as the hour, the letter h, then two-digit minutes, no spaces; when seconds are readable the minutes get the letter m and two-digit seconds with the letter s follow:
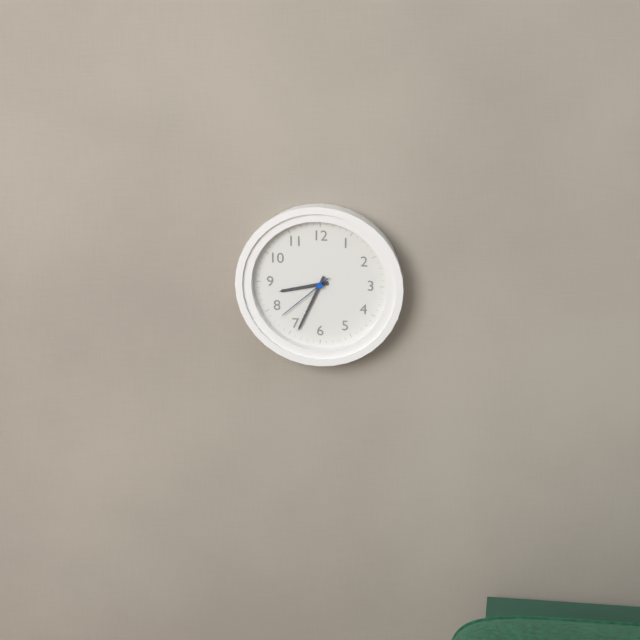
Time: 8h34m38s
